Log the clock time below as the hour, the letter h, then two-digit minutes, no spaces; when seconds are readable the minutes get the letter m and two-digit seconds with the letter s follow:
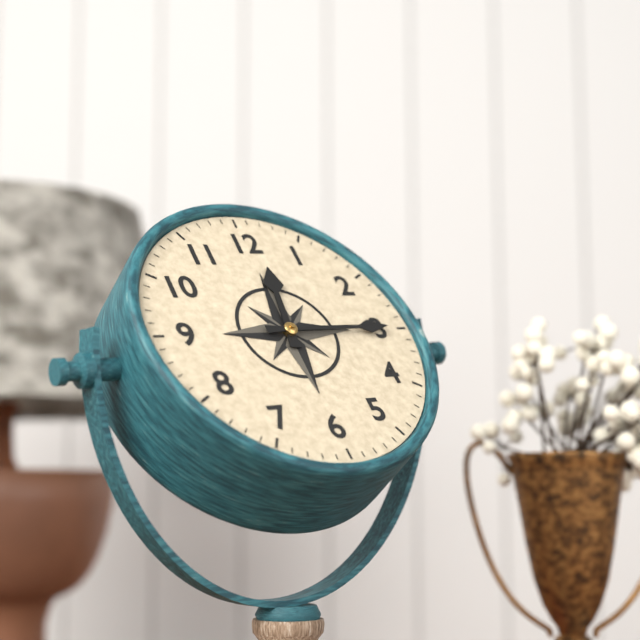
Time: 12h15
